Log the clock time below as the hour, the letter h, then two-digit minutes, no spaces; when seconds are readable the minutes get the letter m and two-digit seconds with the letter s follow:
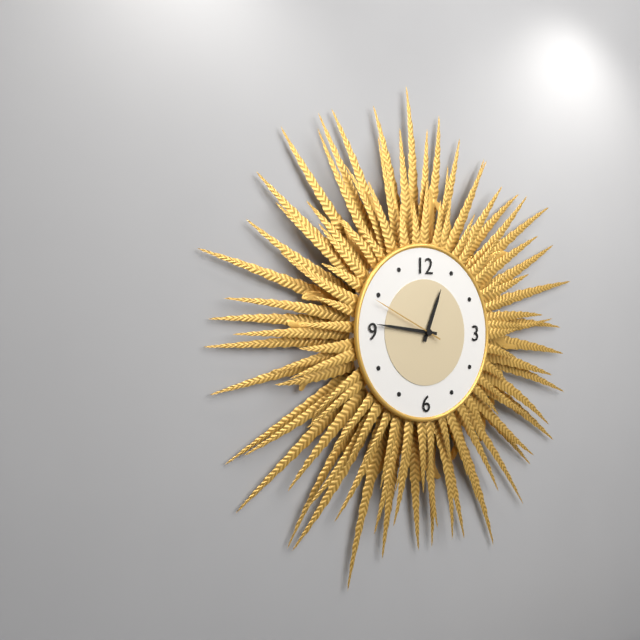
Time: 12h46m49s
